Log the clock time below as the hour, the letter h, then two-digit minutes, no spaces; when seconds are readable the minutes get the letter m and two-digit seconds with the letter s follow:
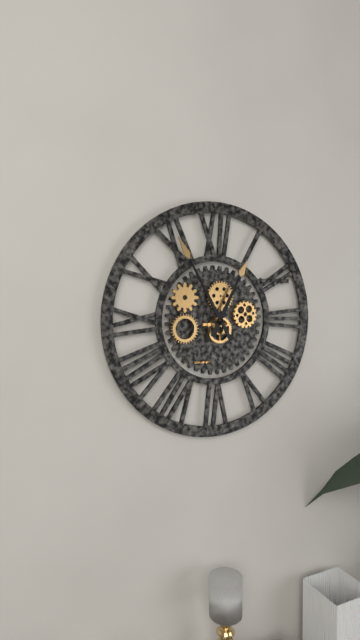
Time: 12h55
